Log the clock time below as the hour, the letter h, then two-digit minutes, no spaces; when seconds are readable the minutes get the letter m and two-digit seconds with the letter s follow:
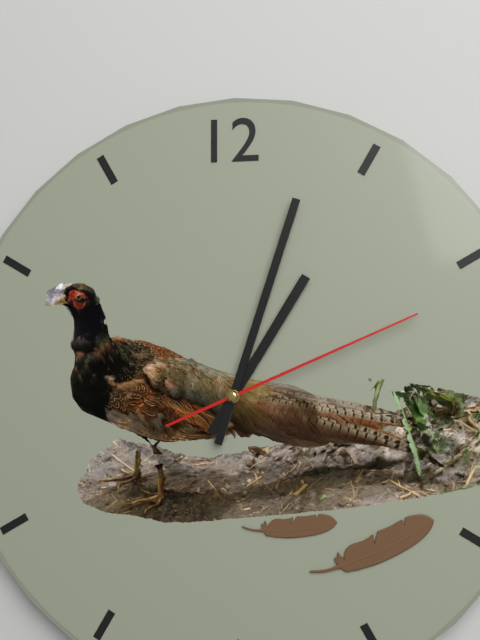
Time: 1h03m11s
